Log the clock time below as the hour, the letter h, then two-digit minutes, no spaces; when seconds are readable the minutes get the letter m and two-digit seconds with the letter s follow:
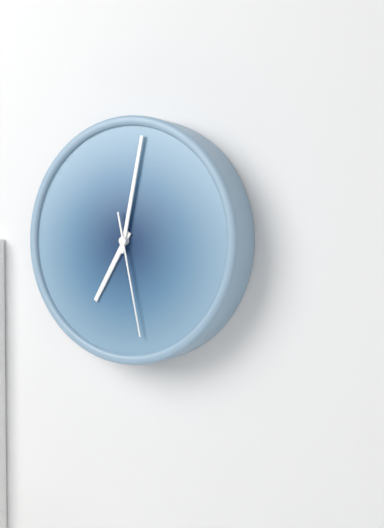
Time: 7h02m28s
